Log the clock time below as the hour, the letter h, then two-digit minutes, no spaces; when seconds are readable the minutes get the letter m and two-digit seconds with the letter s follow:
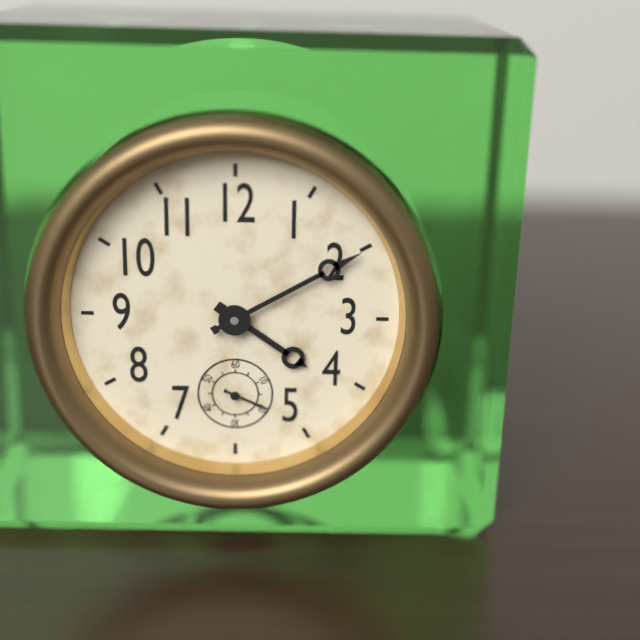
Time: 4h10
